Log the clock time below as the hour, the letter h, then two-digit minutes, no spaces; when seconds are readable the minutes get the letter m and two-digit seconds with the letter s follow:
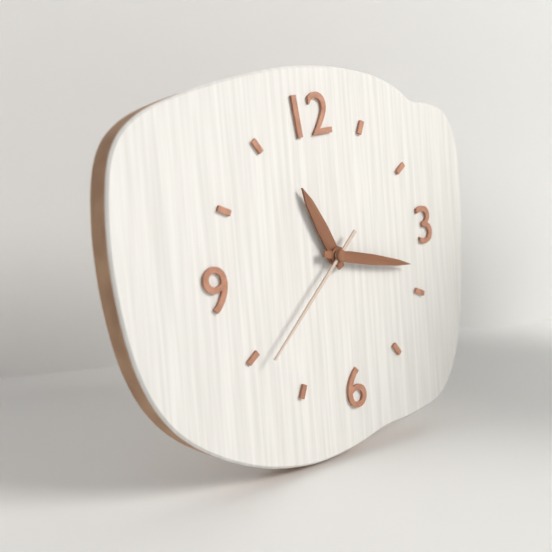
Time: 11h18m39s
